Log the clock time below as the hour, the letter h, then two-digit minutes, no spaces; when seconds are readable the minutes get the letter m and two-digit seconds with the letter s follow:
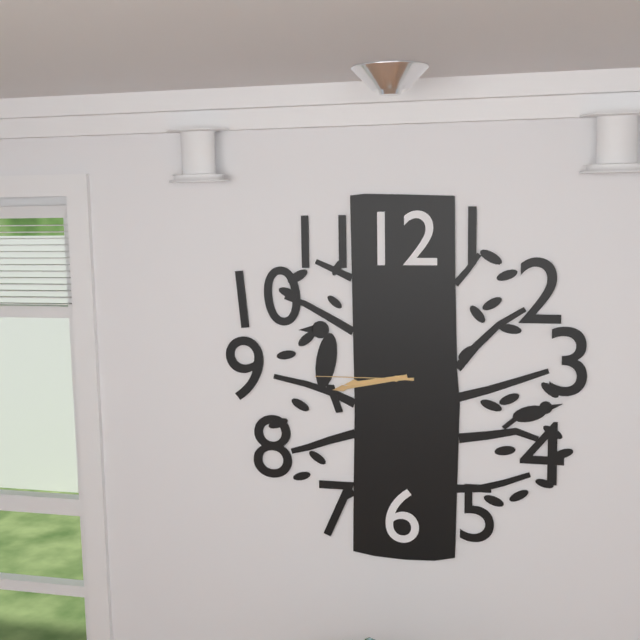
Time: 8h43m45s
